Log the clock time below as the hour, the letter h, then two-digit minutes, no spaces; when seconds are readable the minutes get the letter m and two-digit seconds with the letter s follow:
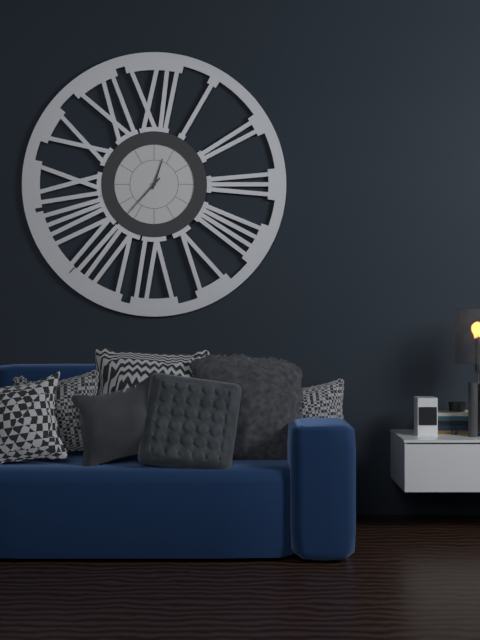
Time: 12h37
